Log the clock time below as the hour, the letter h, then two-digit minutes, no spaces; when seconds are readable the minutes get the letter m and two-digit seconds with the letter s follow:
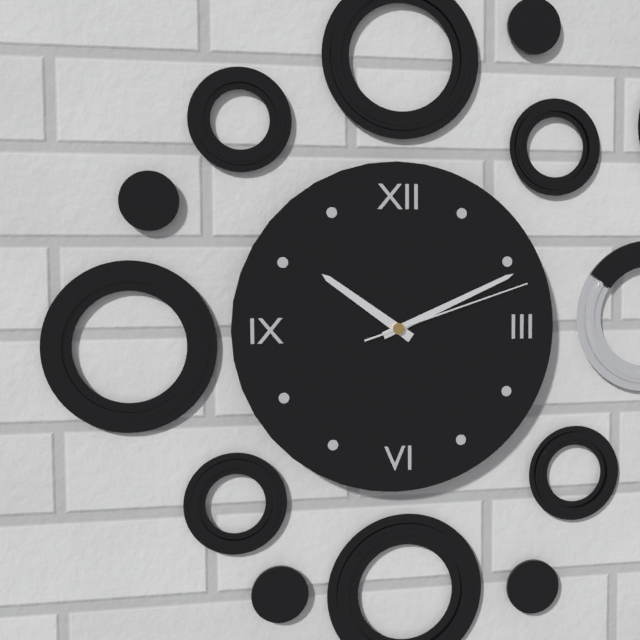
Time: 10h11m12s
